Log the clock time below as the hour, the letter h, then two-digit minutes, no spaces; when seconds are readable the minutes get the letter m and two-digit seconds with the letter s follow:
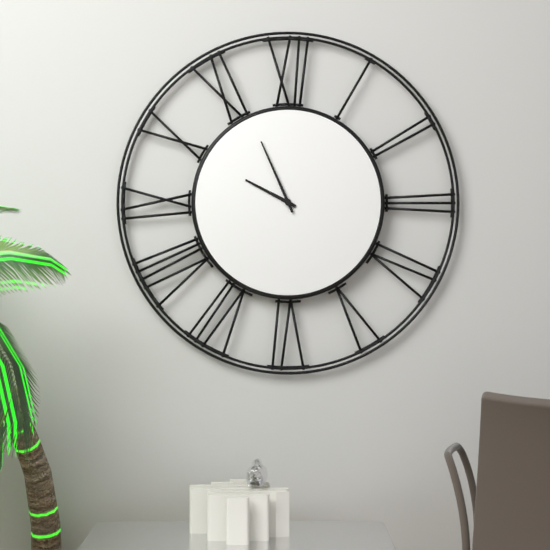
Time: 9h56
